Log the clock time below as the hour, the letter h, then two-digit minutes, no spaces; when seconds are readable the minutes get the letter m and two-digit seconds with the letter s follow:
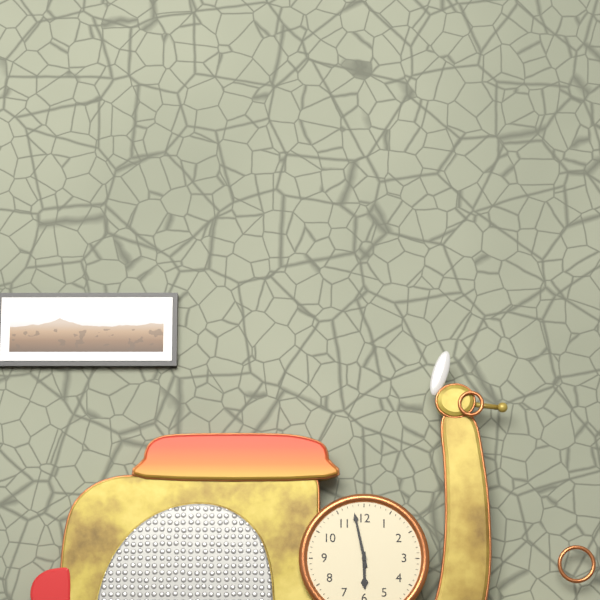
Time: 5h58
